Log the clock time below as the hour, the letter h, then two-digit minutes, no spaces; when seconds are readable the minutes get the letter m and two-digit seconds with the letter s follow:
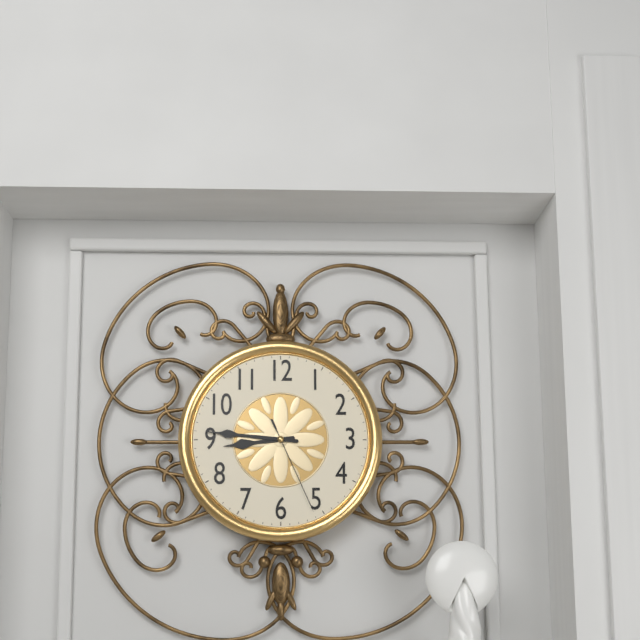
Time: 8h46m26s
